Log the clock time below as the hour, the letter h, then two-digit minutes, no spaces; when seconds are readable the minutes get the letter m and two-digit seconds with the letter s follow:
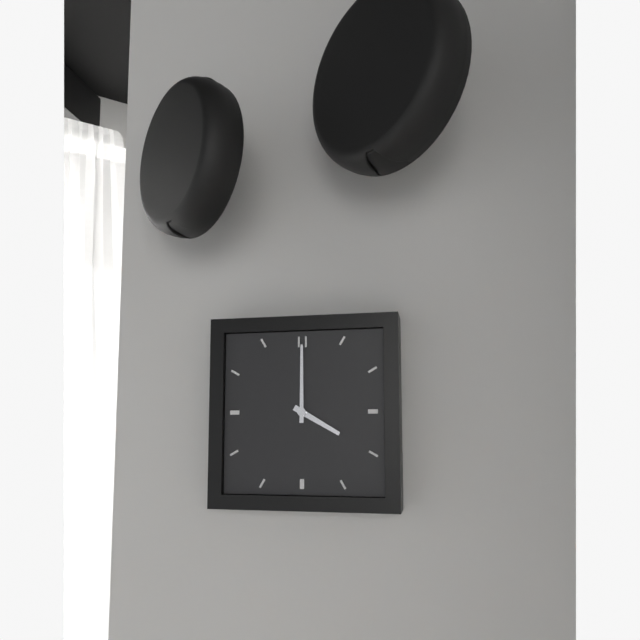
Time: 4h00
